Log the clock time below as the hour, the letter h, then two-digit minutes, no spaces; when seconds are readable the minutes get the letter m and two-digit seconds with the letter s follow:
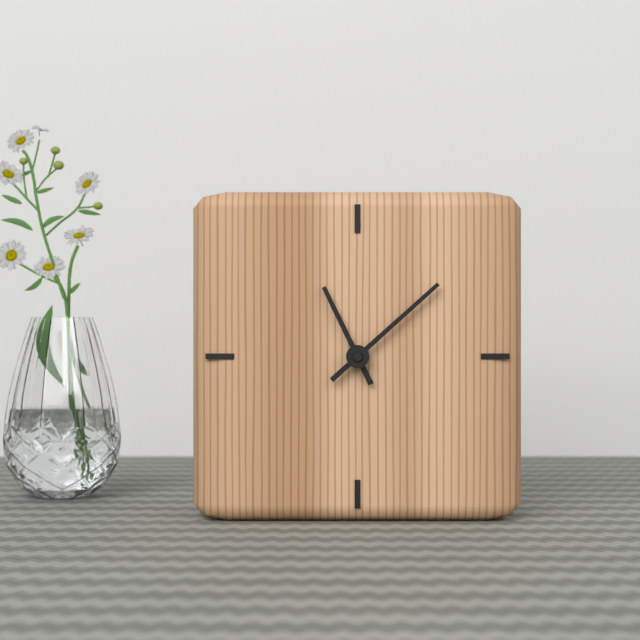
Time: 11h08
